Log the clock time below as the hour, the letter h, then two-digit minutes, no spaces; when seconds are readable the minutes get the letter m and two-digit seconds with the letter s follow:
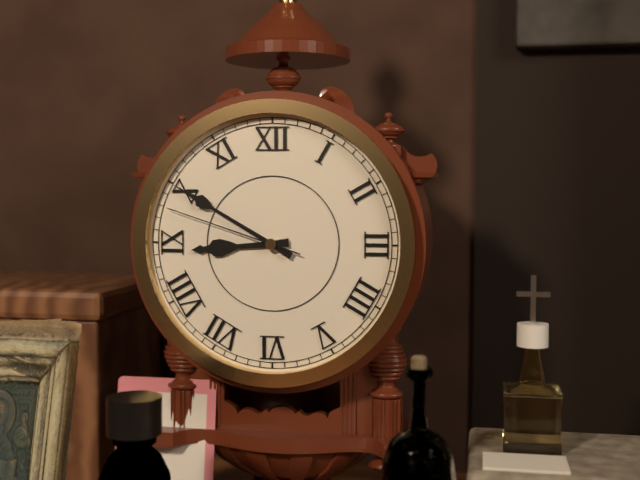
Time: 8h50m48s
